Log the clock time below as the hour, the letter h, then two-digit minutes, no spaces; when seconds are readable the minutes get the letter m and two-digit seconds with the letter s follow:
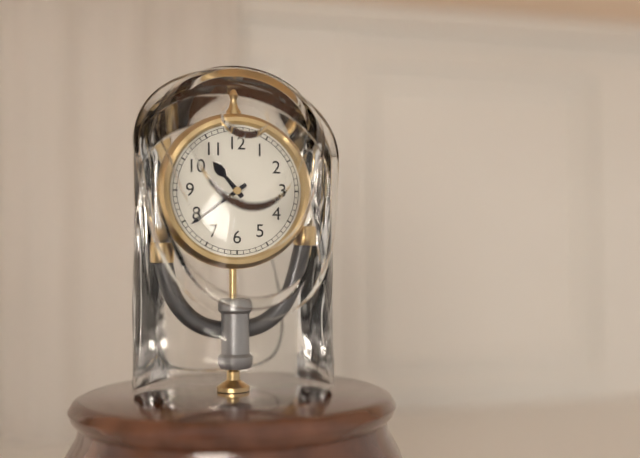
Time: 10h39
